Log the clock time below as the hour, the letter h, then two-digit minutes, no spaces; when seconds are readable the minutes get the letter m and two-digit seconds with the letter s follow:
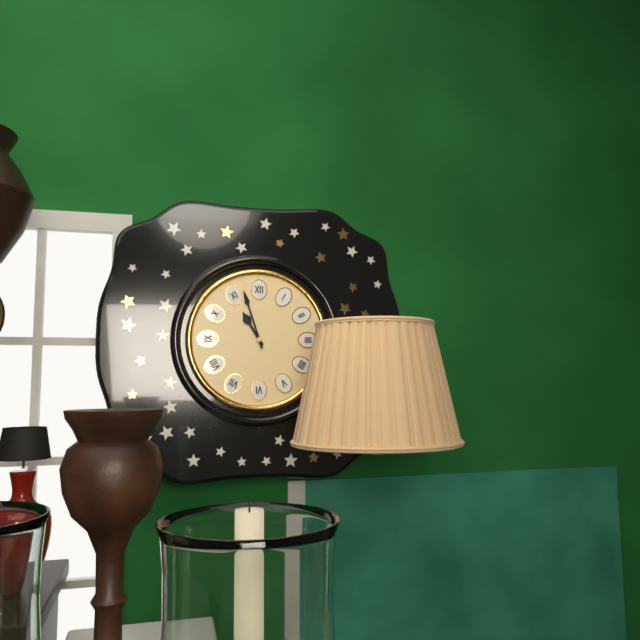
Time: 10h57
